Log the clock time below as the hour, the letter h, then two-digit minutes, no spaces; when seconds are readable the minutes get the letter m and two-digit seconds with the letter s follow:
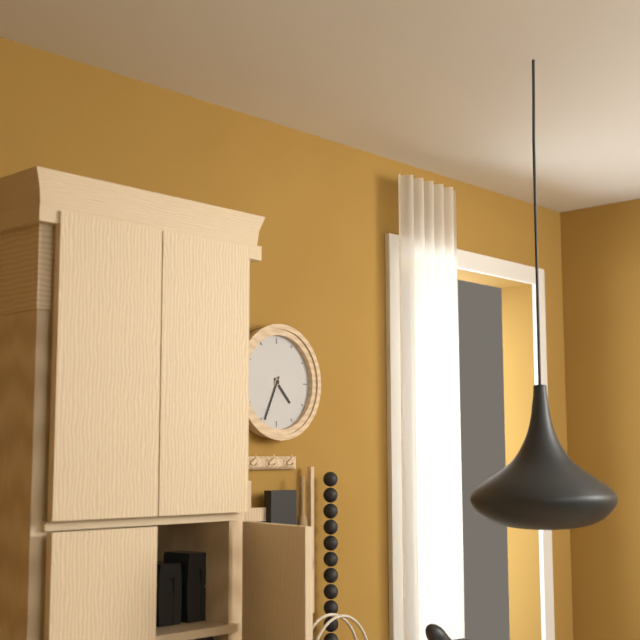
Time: 4h34
